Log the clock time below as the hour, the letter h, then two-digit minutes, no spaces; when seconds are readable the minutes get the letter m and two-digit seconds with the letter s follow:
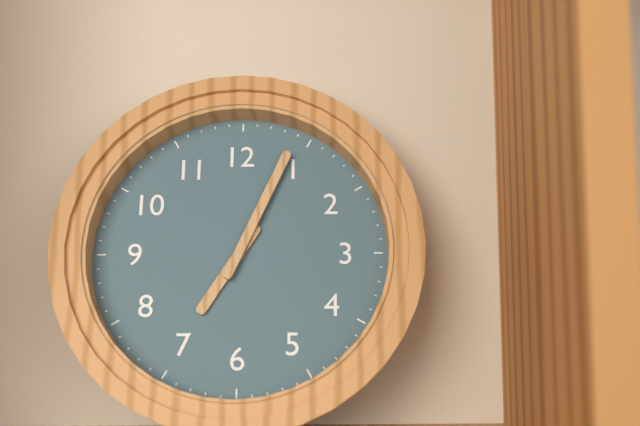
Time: 7h04
